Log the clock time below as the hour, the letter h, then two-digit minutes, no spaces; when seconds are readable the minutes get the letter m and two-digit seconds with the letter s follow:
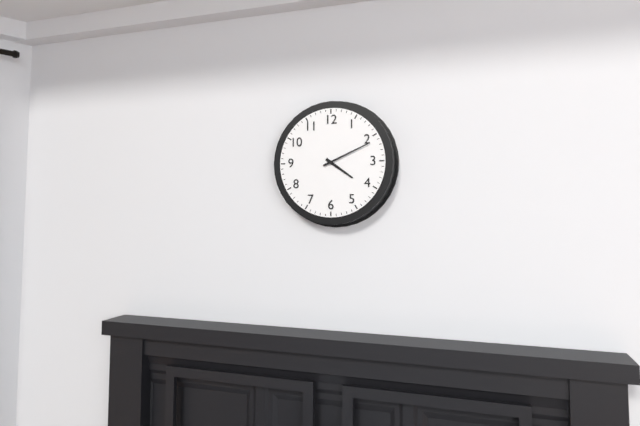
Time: 4h11
